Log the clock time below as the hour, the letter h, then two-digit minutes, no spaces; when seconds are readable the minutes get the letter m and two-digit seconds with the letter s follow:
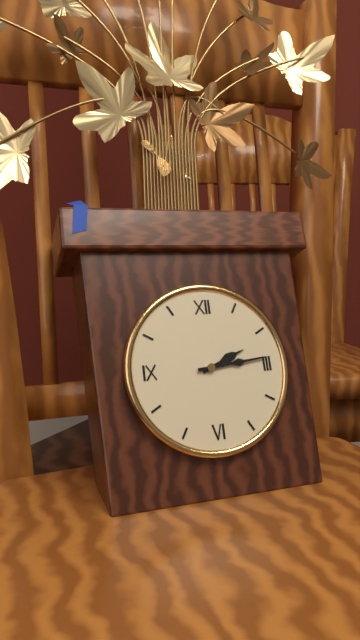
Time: 2h14
